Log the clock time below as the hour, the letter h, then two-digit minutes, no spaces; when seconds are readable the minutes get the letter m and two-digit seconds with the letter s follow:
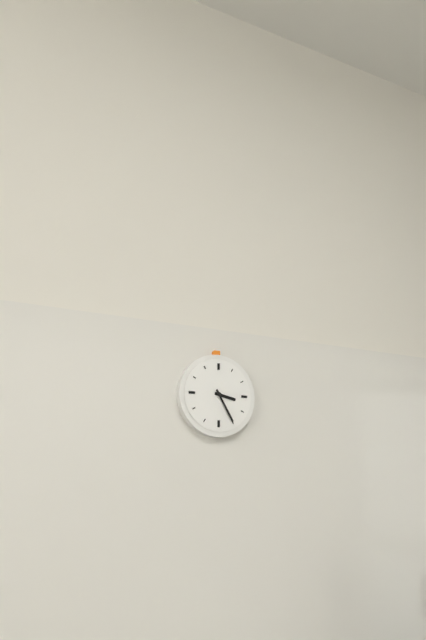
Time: 3h25
